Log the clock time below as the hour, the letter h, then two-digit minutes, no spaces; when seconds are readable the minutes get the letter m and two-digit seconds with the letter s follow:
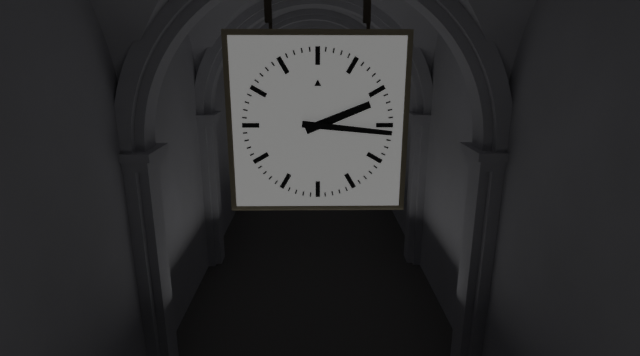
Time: 2h16
